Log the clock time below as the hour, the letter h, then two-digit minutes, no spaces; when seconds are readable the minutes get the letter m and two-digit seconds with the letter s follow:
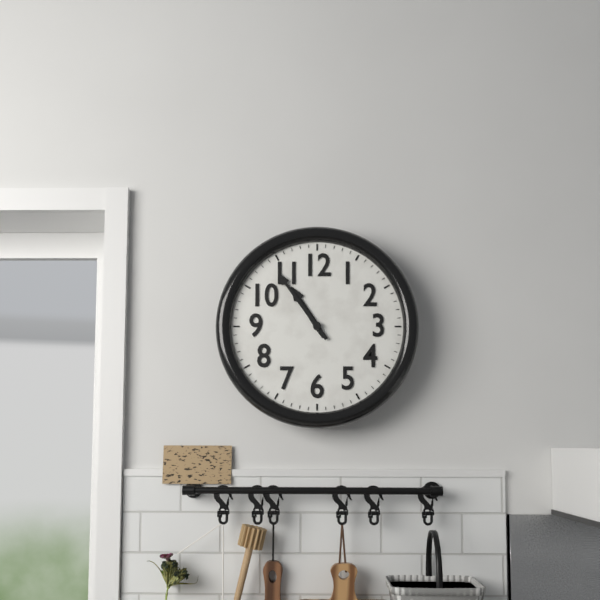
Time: 10h54
